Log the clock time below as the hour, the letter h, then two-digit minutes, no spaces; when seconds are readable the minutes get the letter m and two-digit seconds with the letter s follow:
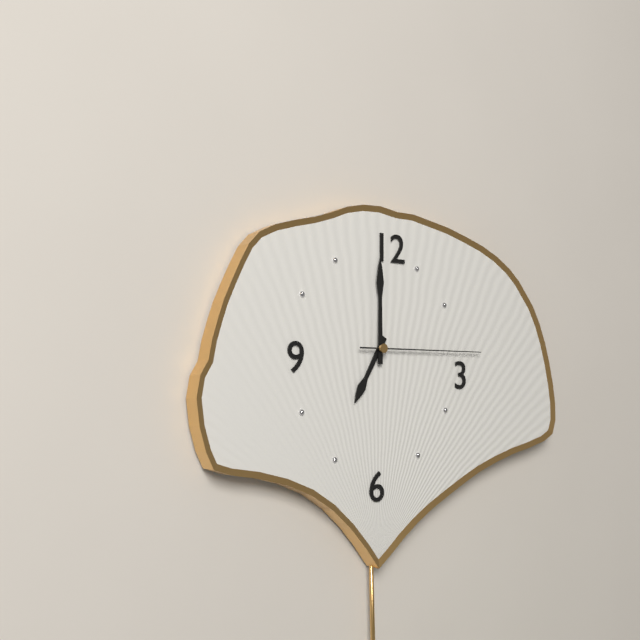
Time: 7h00m15s
